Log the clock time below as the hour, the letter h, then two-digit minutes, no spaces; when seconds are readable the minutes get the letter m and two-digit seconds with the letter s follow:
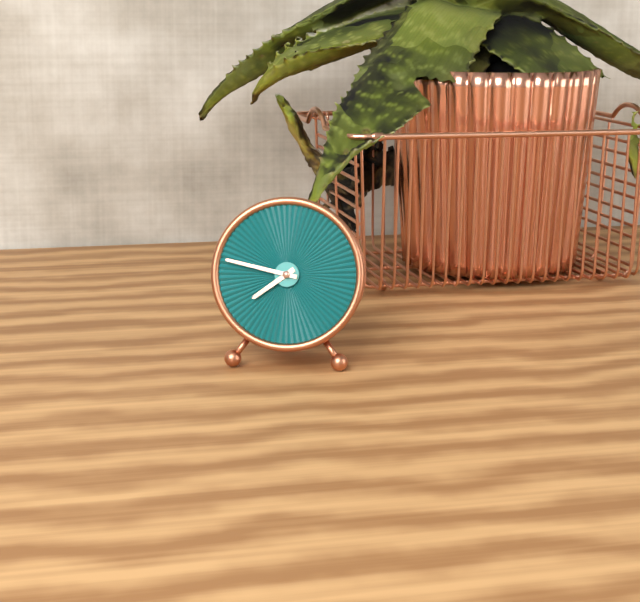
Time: 7h47
